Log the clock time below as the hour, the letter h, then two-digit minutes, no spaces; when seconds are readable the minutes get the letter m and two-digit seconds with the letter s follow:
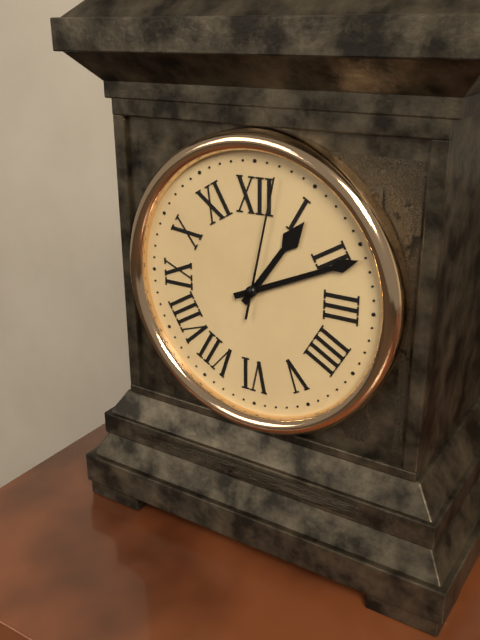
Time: 1h11m02s
